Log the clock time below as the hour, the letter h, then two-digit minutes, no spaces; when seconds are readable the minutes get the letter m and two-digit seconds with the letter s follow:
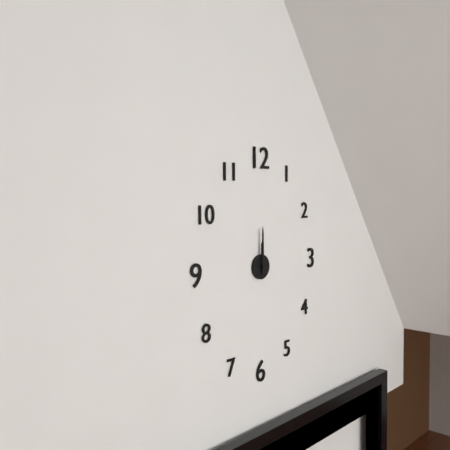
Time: 12h00
